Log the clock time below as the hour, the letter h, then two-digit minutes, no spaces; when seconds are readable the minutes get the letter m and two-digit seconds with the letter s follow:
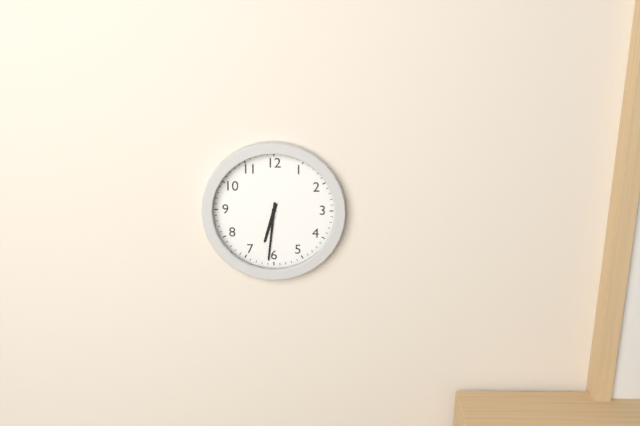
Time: 6h31
